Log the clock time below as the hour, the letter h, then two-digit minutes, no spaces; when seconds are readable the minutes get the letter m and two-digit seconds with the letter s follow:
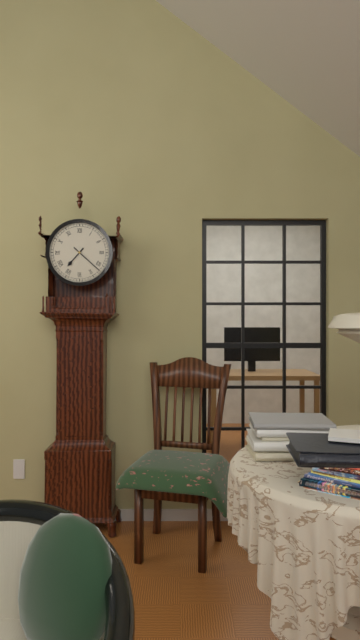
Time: 7h22
